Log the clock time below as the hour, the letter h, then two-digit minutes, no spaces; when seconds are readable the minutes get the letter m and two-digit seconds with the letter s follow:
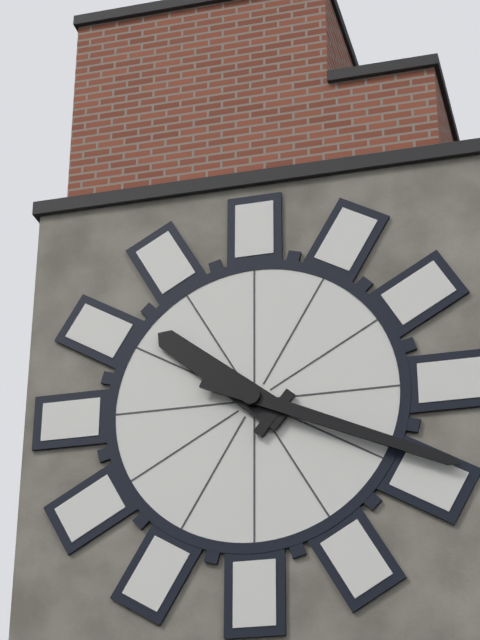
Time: 10h19
